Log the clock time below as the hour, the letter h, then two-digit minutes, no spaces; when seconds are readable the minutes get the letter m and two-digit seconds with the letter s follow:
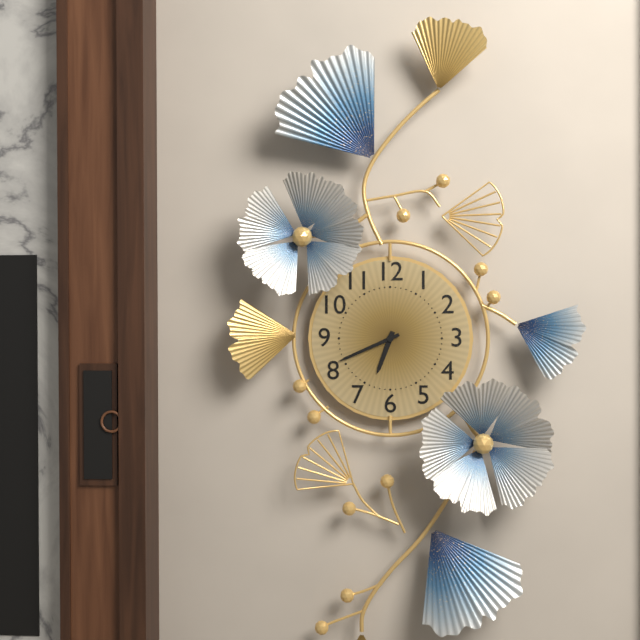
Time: 6h41
